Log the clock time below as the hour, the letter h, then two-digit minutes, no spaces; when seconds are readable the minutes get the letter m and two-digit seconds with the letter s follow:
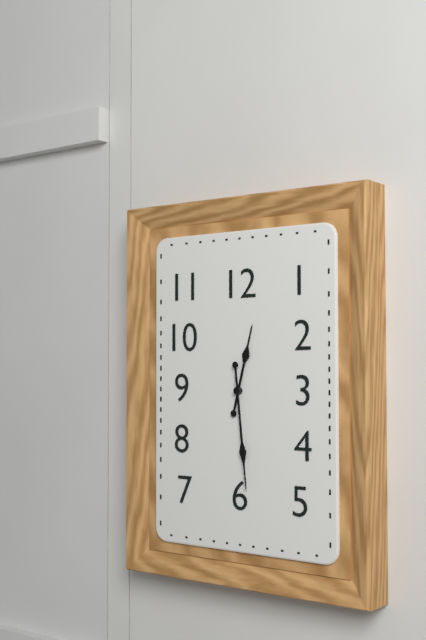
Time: 12h29
